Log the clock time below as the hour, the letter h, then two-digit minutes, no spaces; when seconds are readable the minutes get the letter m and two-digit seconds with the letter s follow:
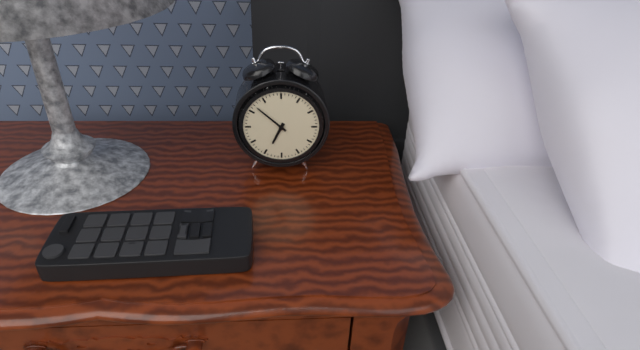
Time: 6h52
